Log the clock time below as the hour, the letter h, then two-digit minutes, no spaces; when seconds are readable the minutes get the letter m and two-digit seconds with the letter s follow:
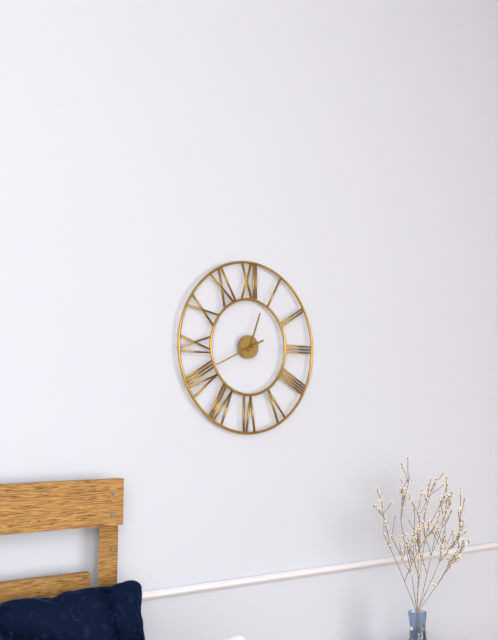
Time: 12h41
